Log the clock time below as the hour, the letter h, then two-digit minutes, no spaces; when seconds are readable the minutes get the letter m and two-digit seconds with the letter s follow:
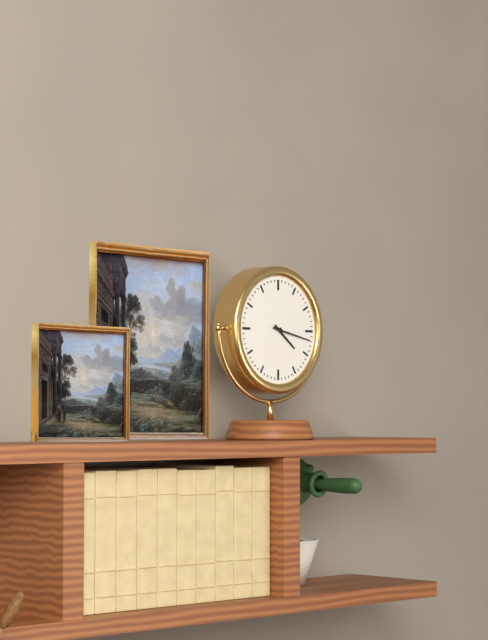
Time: 4h17
